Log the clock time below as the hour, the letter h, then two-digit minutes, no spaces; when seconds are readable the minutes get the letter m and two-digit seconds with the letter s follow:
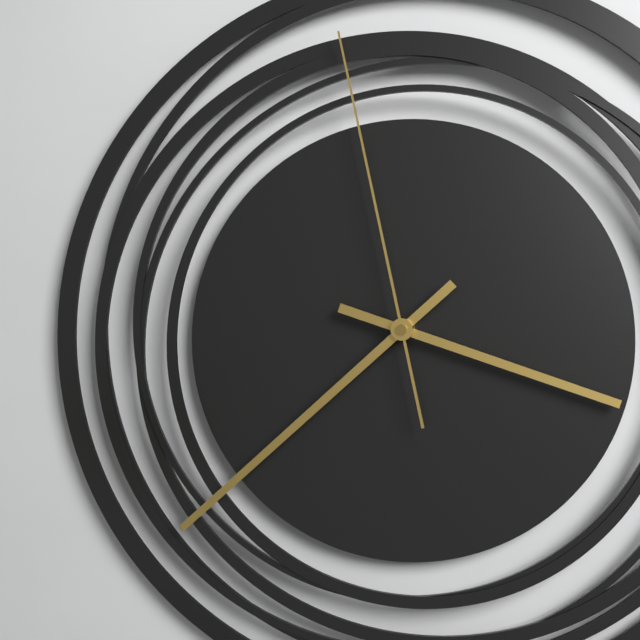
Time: 3h38m58s
